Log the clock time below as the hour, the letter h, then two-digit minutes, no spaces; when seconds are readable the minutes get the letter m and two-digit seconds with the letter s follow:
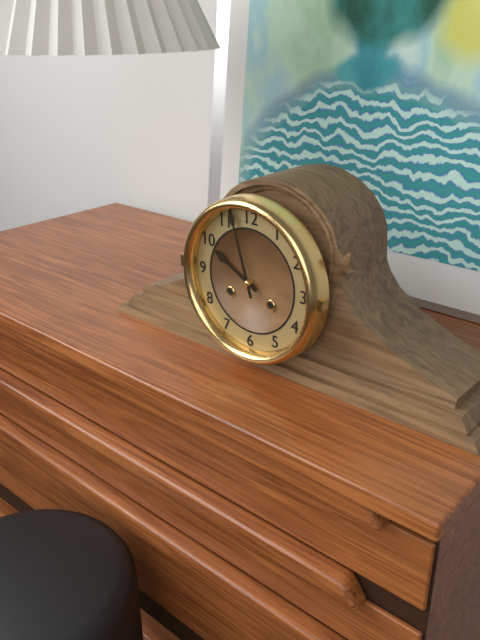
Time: 9h57
